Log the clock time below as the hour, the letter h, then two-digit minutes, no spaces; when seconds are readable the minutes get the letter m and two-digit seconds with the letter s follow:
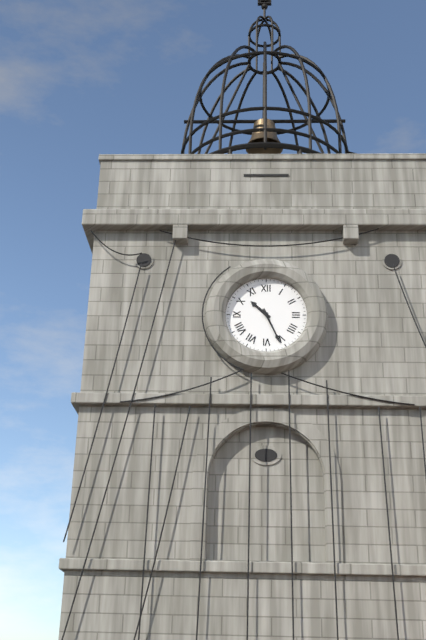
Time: 10h26
